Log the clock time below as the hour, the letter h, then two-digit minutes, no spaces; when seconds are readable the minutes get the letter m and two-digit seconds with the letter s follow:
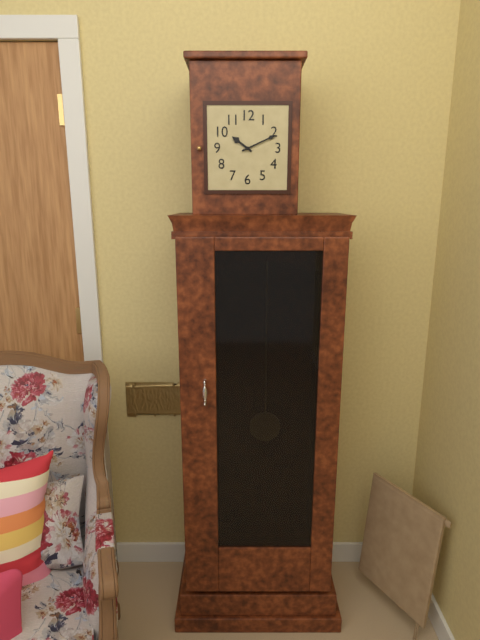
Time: 10h11
